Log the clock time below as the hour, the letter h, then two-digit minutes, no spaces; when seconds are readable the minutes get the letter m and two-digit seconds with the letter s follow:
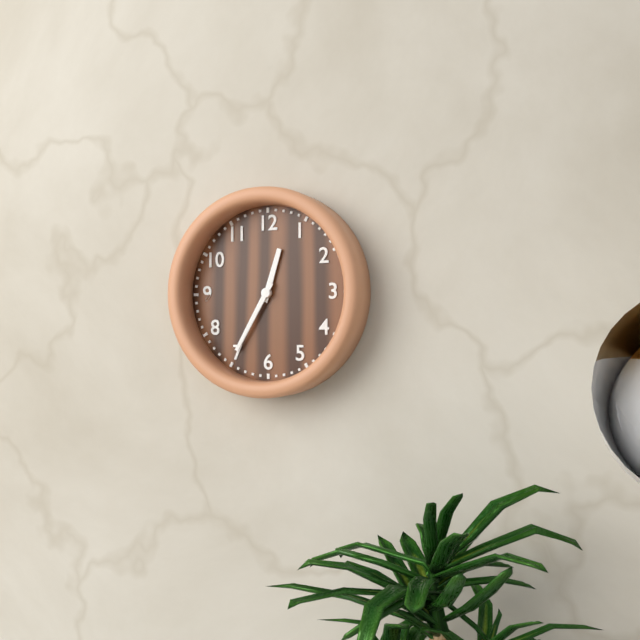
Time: 12h35
